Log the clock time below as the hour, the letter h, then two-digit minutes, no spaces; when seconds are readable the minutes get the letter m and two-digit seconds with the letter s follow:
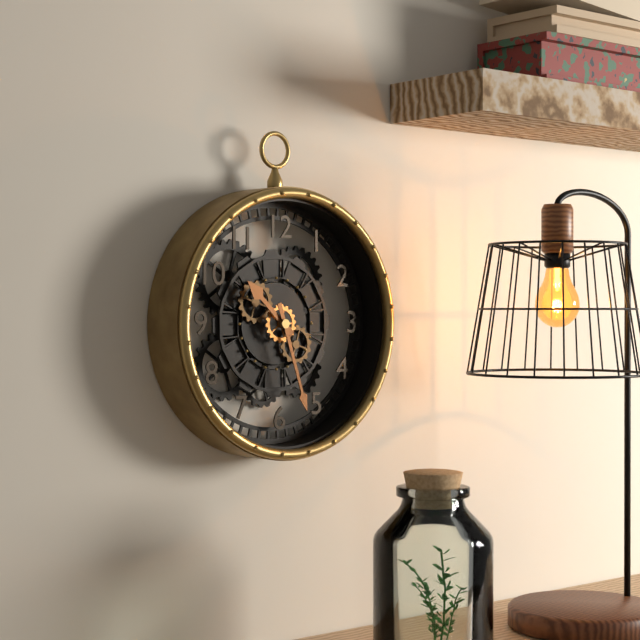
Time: 10h27
